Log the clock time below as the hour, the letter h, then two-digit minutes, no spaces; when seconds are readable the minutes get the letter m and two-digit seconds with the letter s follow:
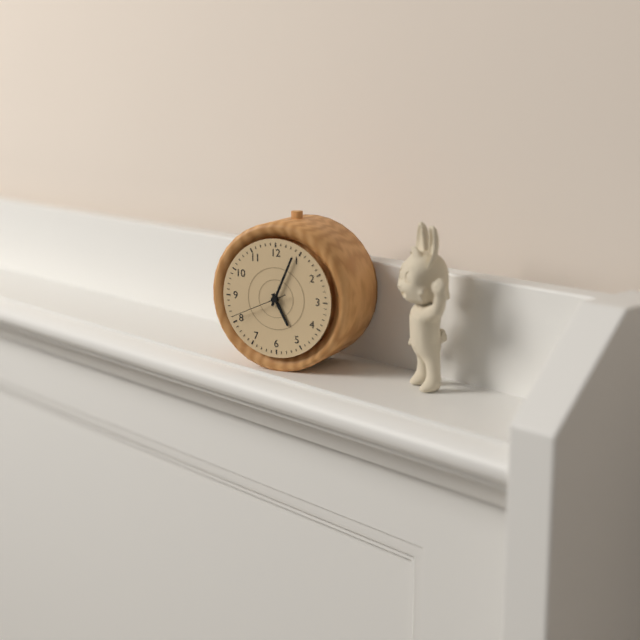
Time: 5h04m41s
